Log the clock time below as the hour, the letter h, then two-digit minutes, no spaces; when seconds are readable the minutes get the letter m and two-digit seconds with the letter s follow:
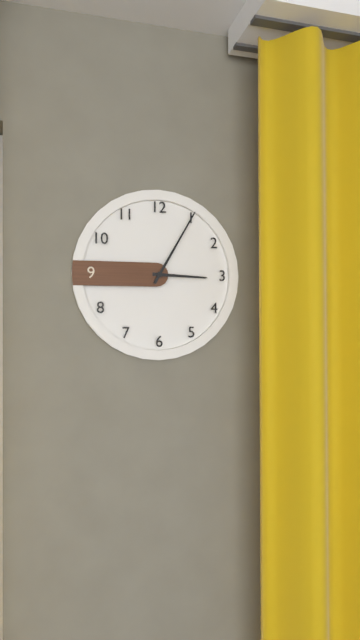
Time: 3h05
